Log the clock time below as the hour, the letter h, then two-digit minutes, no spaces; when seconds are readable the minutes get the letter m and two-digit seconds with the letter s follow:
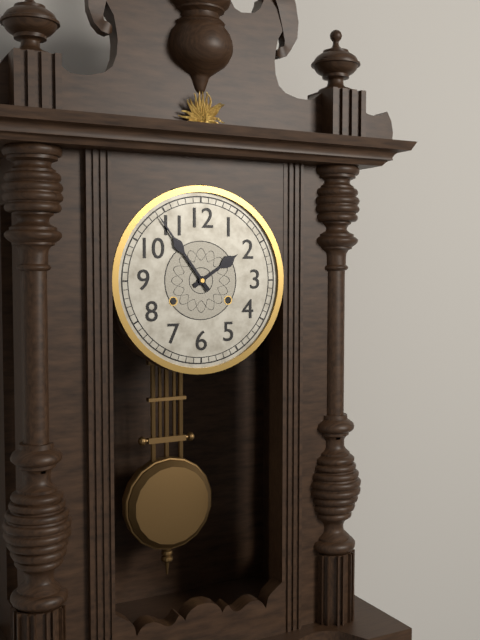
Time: 1h54
